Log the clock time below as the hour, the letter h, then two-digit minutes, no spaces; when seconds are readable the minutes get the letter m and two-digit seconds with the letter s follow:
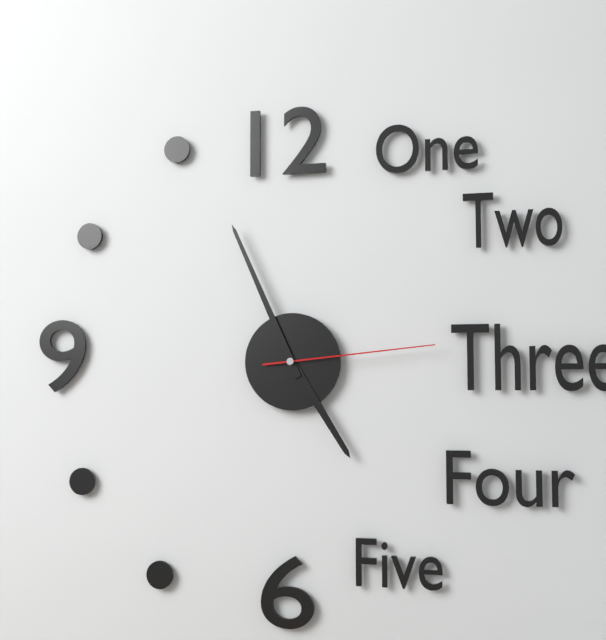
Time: 4h56m14s
